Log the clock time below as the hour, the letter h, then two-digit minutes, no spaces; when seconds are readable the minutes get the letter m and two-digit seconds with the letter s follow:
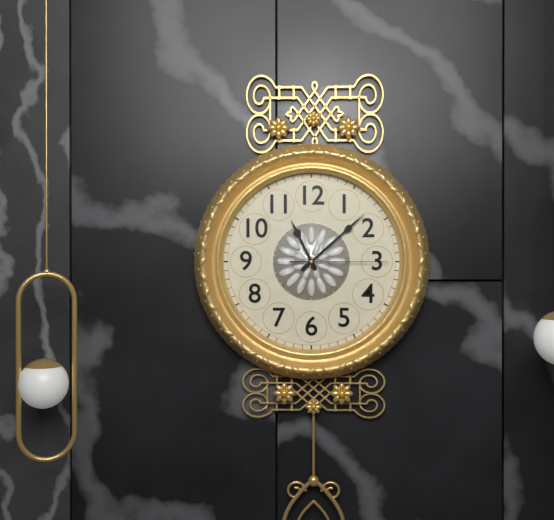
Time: 11h08m15s
